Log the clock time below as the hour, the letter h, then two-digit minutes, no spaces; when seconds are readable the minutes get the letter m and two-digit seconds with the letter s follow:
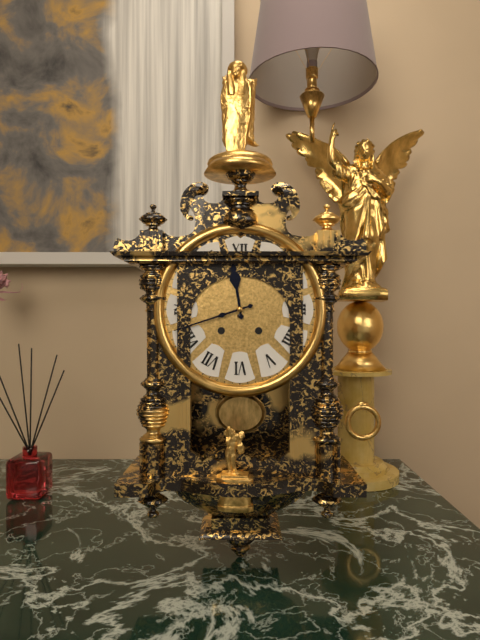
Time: 11h42
